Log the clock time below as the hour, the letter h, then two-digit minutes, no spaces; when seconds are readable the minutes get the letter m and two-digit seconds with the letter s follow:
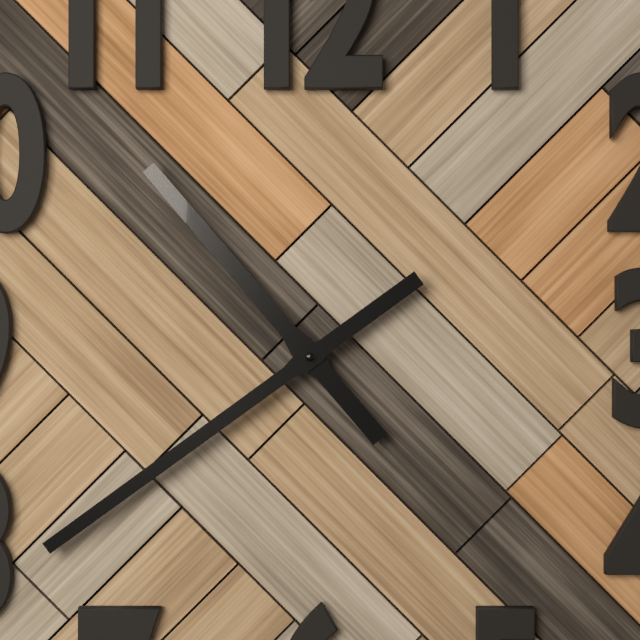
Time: 10h39
